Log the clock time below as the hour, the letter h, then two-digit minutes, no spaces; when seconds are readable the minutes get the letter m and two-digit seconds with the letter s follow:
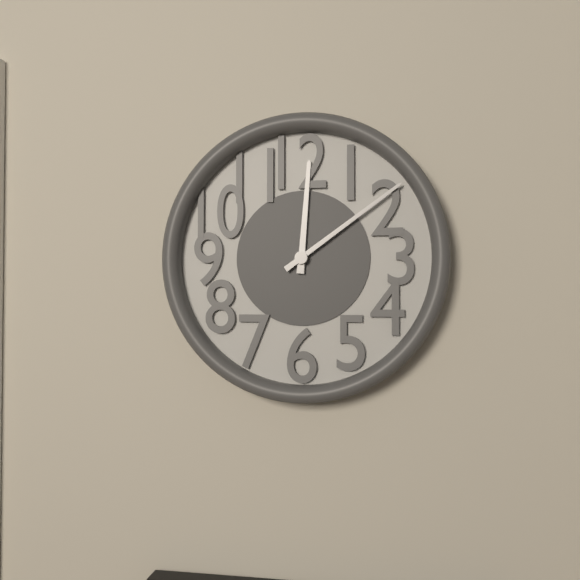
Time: 12h09
